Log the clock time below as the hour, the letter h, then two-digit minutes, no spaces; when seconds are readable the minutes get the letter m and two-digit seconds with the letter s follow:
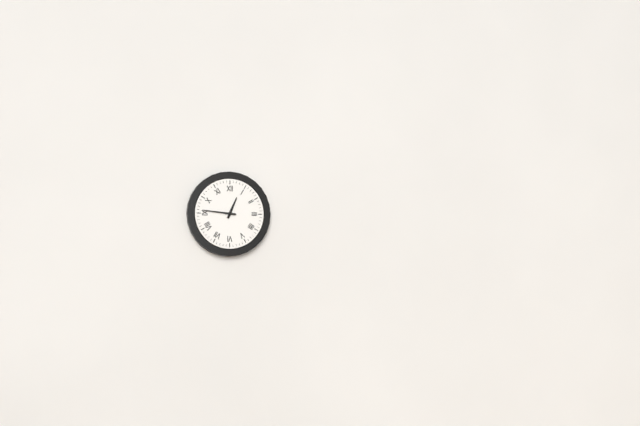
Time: 12h46
